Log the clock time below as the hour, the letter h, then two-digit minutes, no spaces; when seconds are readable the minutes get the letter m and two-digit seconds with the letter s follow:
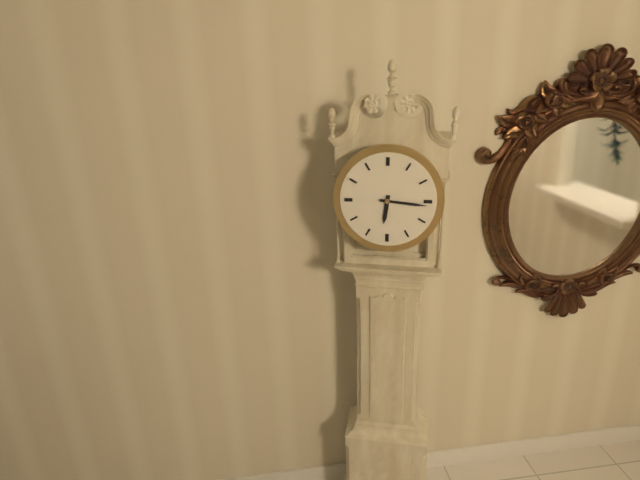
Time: 6h16
